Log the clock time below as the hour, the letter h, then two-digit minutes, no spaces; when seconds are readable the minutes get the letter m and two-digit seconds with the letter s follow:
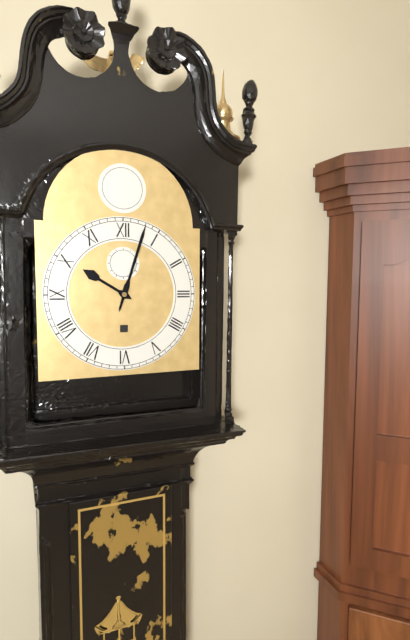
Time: 10h03
